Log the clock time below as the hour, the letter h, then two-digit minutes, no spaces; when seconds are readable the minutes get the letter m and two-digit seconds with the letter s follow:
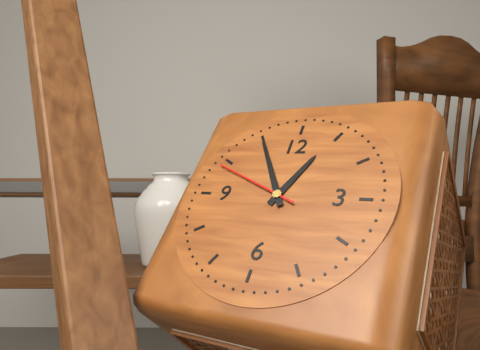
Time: 12h55m49s
